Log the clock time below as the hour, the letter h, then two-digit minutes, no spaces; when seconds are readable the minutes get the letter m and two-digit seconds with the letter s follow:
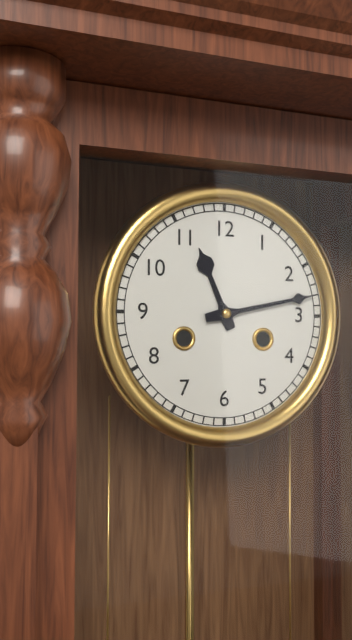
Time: 11h13
